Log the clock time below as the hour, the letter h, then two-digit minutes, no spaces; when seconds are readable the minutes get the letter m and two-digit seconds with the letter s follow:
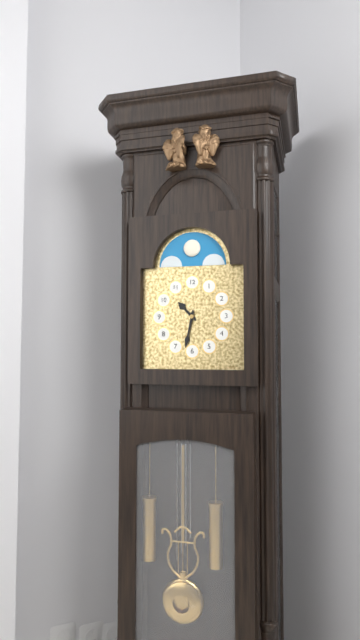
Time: 10h32
